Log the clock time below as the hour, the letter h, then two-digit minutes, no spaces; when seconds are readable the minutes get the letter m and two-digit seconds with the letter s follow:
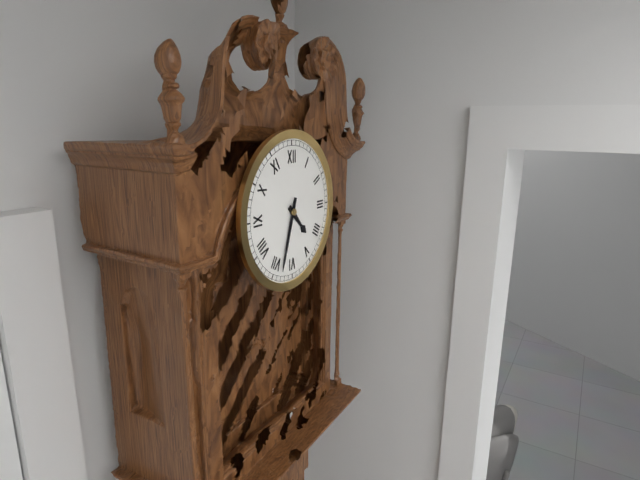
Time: 4h33
